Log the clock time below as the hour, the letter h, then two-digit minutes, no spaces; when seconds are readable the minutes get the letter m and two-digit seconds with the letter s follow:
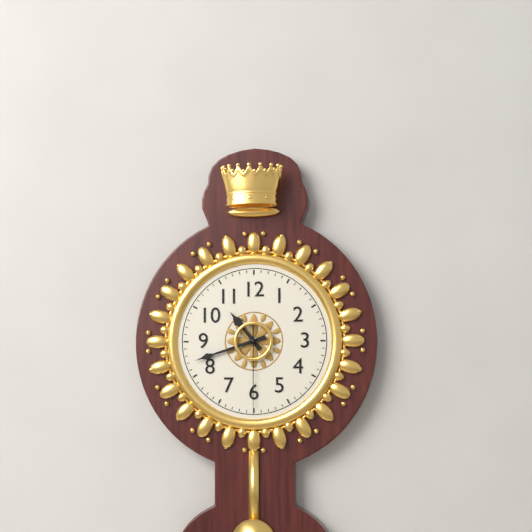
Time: 10h42m30s
